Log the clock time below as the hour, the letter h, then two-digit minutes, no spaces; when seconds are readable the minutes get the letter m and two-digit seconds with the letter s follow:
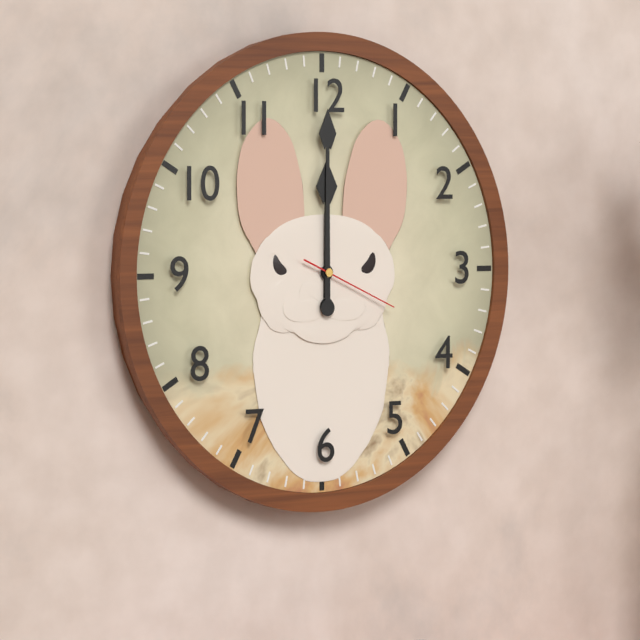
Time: 12h00m19s
